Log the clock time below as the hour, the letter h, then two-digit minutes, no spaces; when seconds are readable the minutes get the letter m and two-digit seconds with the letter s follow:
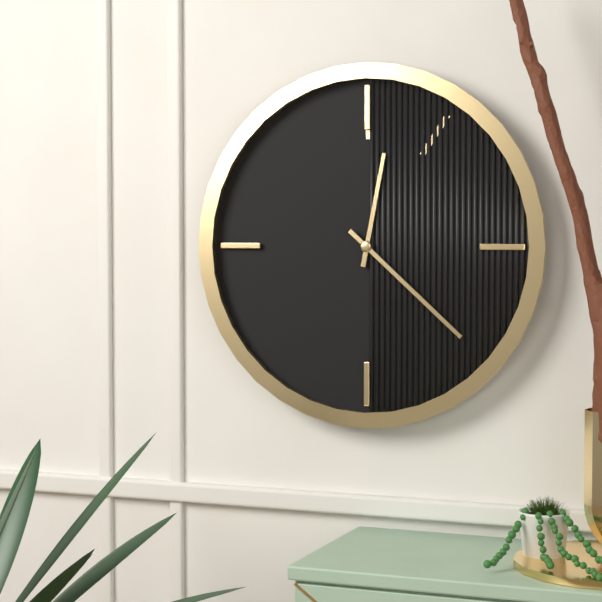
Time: 12h22
